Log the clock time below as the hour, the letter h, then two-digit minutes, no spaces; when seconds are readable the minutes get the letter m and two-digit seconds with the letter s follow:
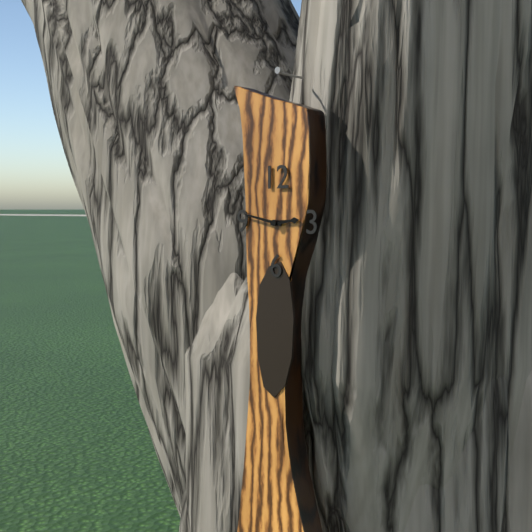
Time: 2h47
